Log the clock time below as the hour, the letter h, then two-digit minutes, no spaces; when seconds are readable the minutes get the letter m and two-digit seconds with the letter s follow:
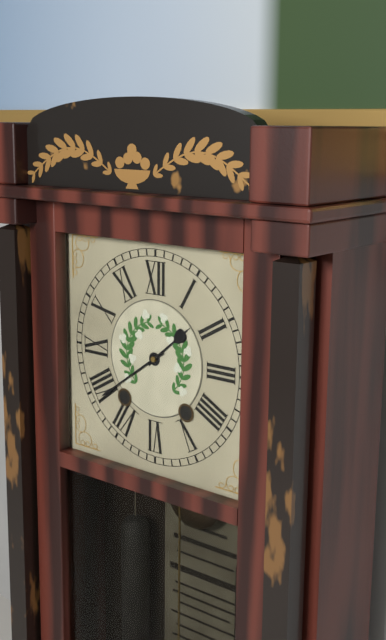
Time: 1h39
